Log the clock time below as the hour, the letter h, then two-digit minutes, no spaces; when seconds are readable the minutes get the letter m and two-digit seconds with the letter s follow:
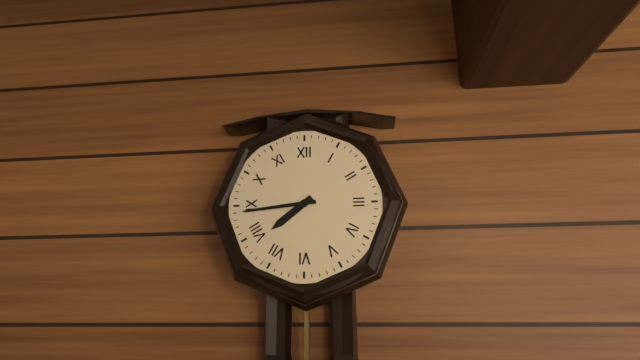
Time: 7h44
